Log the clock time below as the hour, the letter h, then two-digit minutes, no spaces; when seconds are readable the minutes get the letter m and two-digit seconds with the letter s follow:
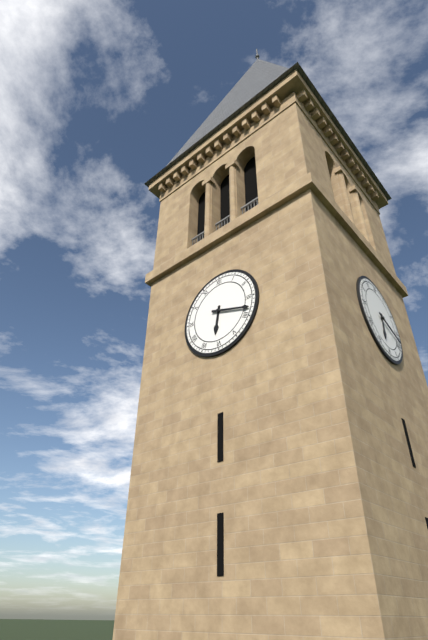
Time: 6h18
